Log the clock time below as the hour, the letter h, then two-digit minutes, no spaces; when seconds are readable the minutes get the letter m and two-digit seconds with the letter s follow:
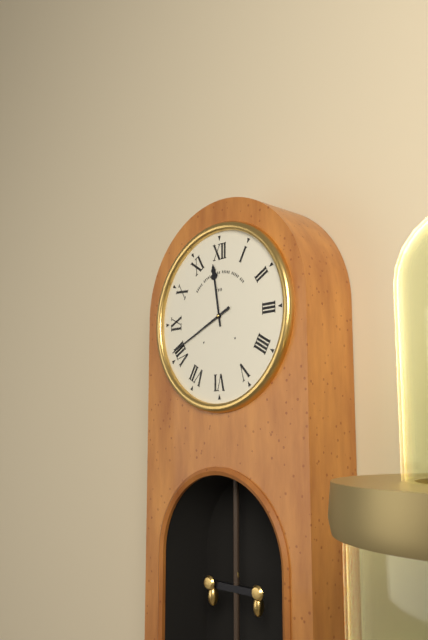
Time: 11h41
